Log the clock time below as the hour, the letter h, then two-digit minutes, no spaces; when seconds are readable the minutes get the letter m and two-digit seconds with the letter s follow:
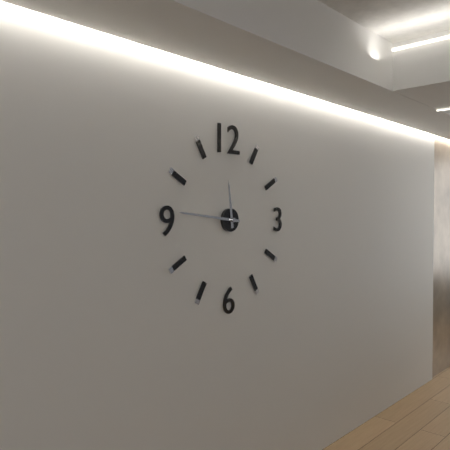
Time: 11h46
